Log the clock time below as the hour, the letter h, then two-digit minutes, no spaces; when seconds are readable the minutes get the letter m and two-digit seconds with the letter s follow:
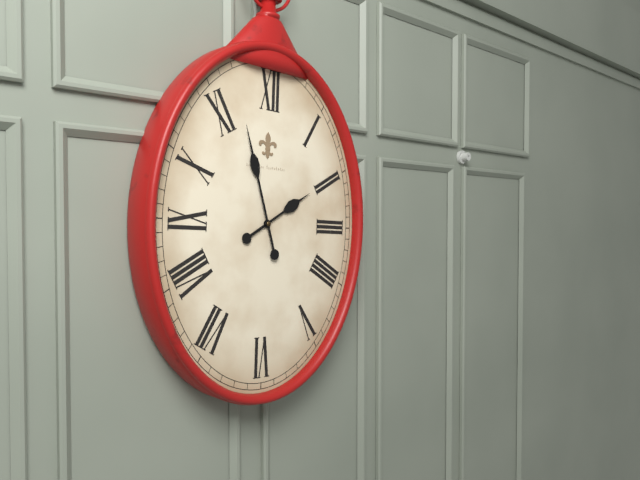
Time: 1h57
